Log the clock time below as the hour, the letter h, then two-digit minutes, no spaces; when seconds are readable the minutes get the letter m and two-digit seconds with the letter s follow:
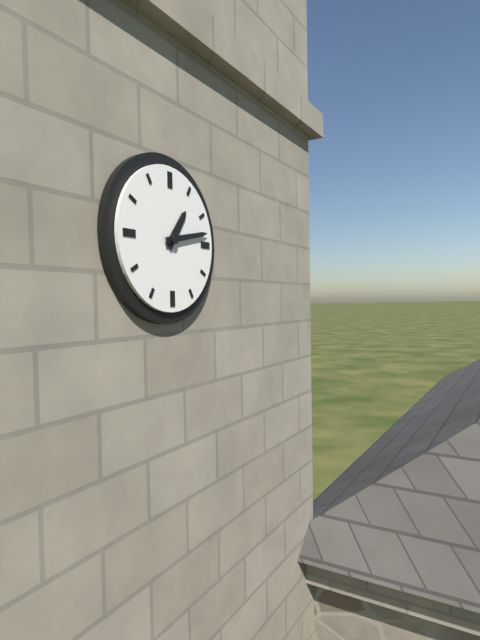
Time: 1h13
